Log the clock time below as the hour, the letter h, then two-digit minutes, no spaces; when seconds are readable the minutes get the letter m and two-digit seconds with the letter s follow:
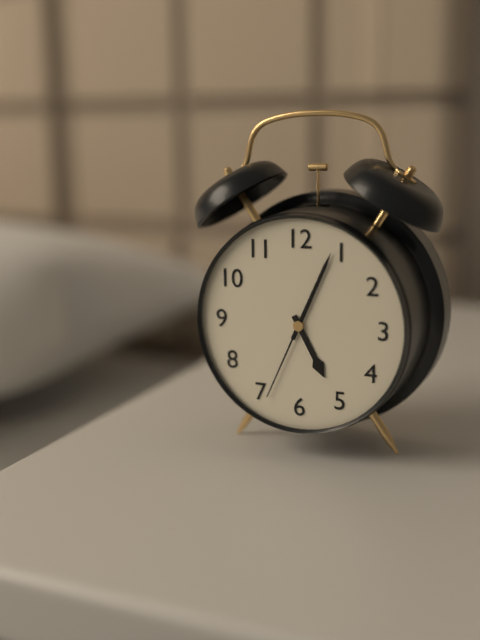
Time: 5h04m34s
